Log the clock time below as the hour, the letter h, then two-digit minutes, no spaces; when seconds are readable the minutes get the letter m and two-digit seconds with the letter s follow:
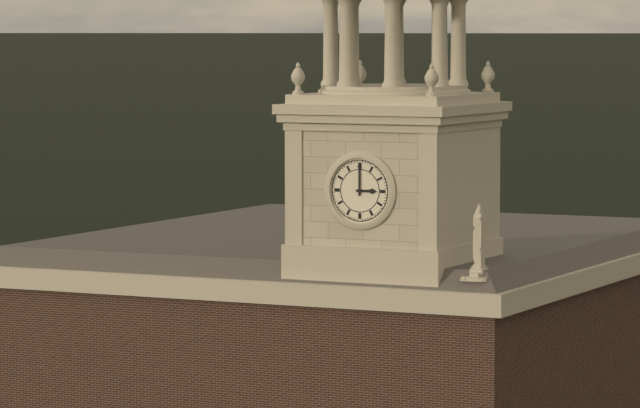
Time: 3h00
